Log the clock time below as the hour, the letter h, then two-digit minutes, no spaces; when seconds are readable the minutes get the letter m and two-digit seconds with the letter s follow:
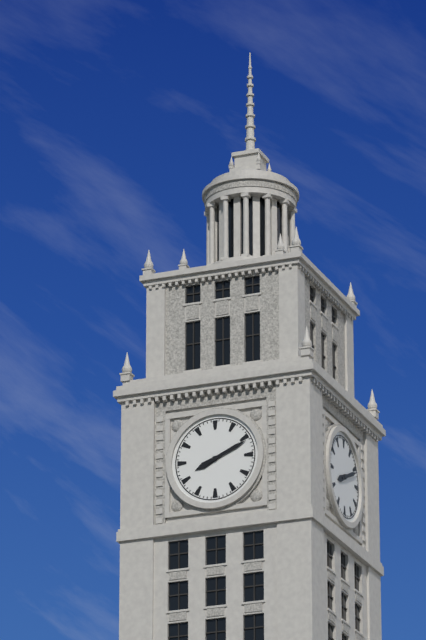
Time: 8h11
